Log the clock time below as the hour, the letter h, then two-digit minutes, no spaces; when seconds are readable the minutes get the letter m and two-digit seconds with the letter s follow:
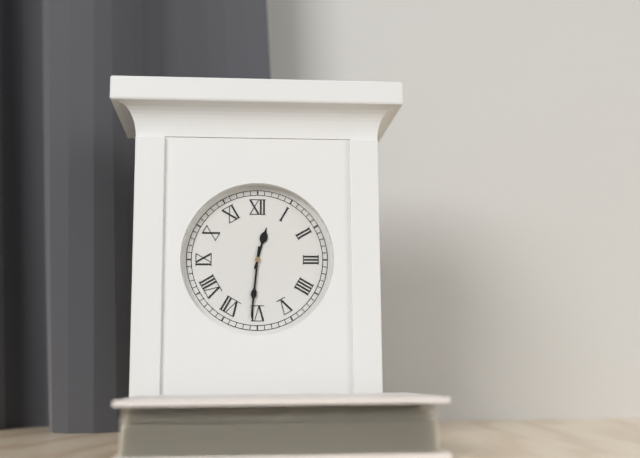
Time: 12h31
